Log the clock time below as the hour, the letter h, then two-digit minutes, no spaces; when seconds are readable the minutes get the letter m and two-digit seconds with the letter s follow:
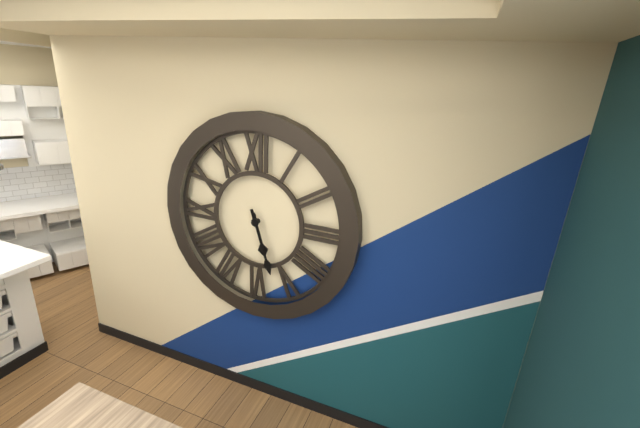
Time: 5h27
